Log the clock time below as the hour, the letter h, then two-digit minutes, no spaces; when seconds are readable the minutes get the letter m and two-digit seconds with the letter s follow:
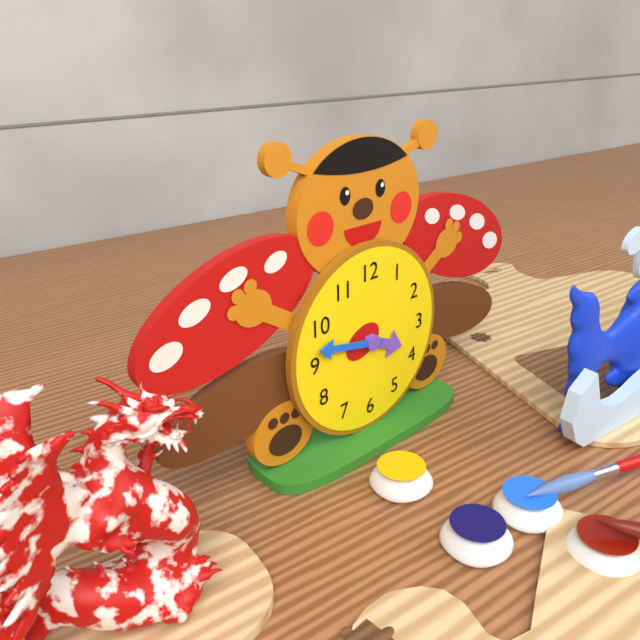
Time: 3h47
